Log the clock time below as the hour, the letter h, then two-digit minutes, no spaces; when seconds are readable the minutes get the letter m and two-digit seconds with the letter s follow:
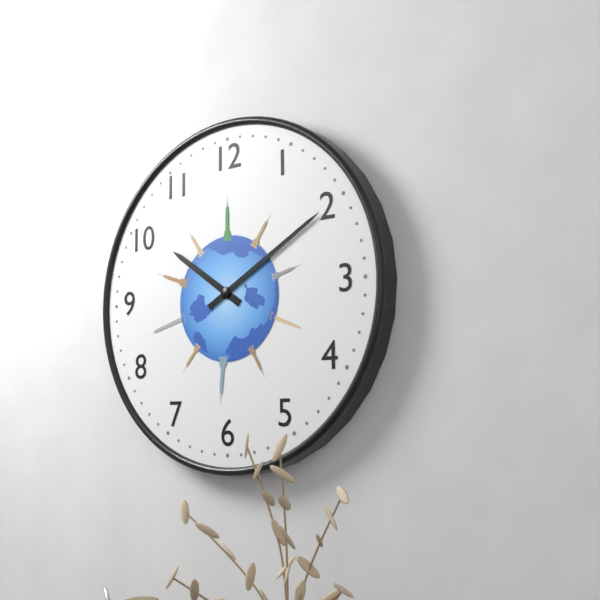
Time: 10h10
